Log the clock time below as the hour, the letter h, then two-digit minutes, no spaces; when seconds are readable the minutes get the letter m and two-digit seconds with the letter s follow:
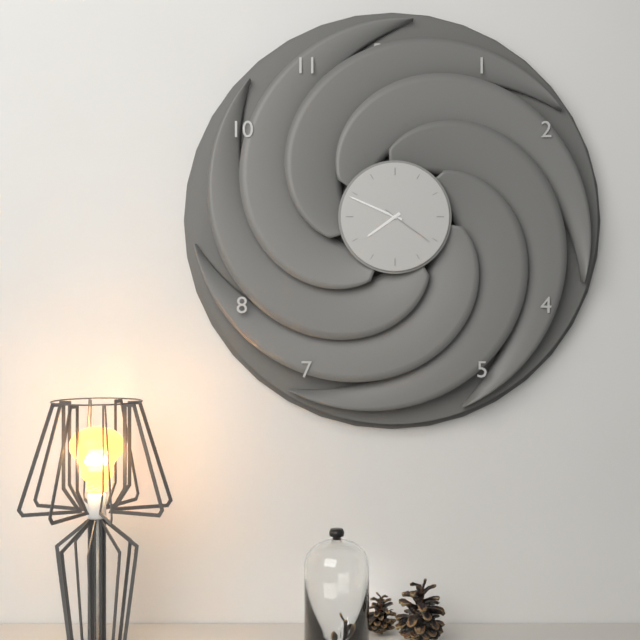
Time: 7h49m21s
